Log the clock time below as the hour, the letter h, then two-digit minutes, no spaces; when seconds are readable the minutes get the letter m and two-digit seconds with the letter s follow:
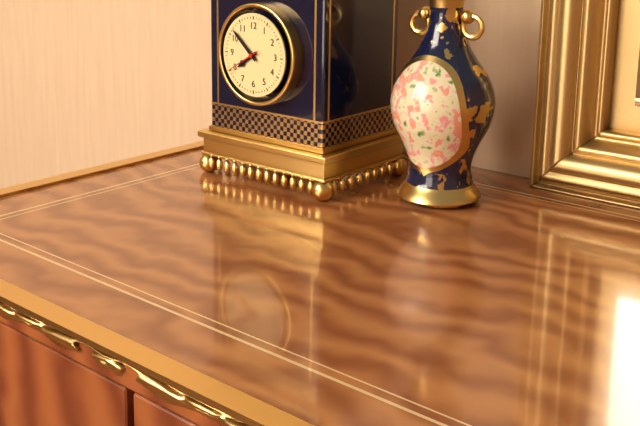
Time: 7h52
